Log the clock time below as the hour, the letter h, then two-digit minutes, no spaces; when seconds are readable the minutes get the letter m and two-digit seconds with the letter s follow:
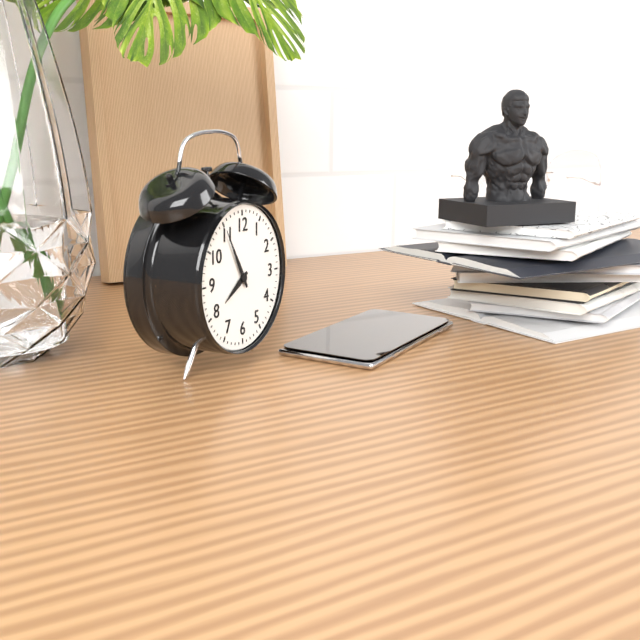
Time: 7h55
